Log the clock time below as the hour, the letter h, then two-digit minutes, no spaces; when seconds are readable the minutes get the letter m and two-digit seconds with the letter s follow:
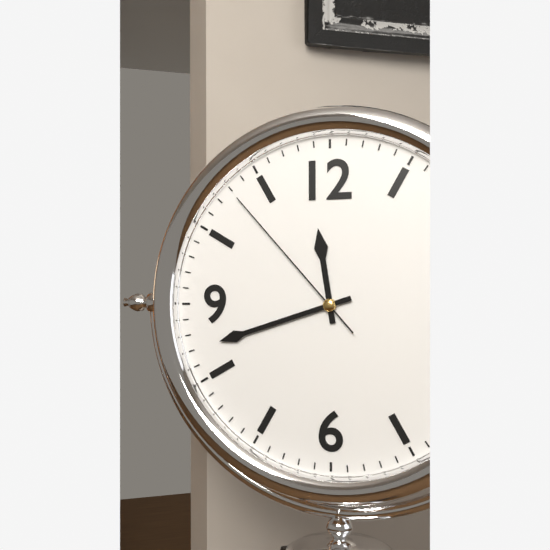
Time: 11h42m53s
